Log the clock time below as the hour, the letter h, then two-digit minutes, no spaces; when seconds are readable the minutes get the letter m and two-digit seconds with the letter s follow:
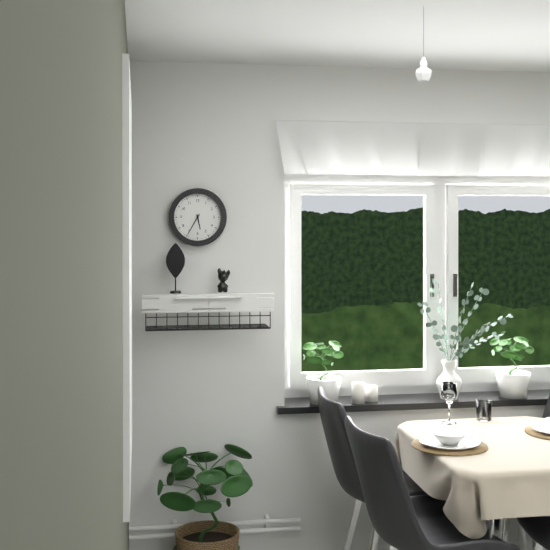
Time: 5h35
